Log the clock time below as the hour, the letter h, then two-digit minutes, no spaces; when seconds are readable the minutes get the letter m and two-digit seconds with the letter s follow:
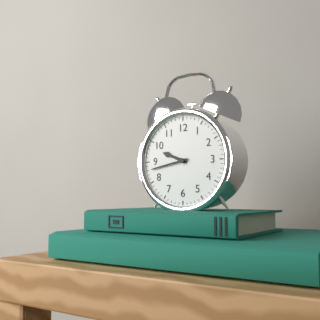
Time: 9h43
